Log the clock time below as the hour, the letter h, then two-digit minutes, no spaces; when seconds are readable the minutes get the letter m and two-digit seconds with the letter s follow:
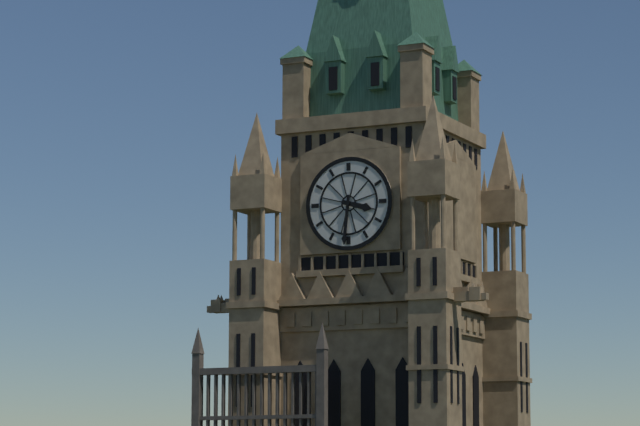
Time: 3h31
